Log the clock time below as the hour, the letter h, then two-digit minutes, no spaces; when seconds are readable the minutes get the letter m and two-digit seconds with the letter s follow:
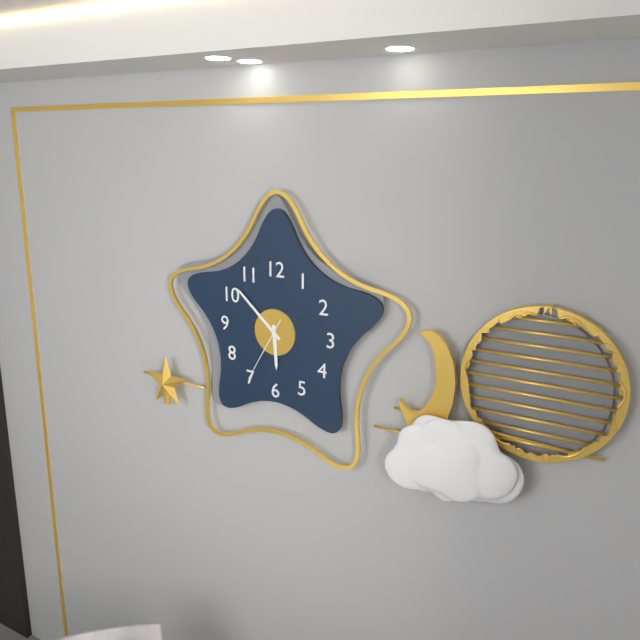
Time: 5h52m35s
